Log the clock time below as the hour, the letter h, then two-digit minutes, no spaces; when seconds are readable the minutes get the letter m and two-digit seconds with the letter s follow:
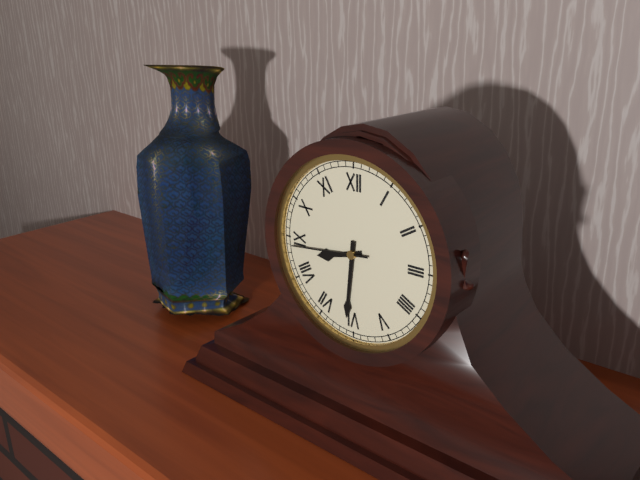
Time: 8h31m44s
